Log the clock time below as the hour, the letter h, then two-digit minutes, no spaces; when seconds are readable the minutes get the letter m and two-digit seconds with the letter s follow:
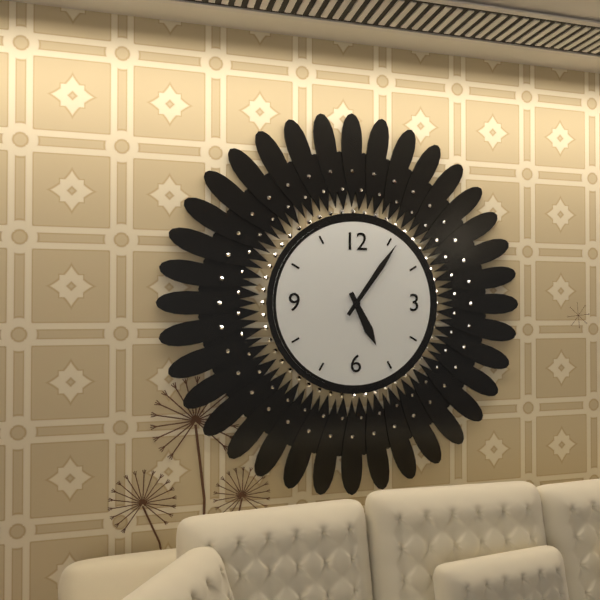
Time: 5h06
